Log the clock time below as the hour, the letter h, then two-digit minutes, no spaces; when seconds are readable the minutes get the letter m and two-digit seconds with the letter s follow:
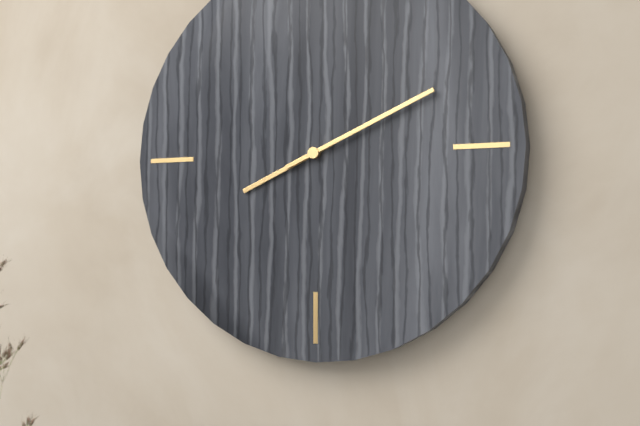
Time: 8h11
